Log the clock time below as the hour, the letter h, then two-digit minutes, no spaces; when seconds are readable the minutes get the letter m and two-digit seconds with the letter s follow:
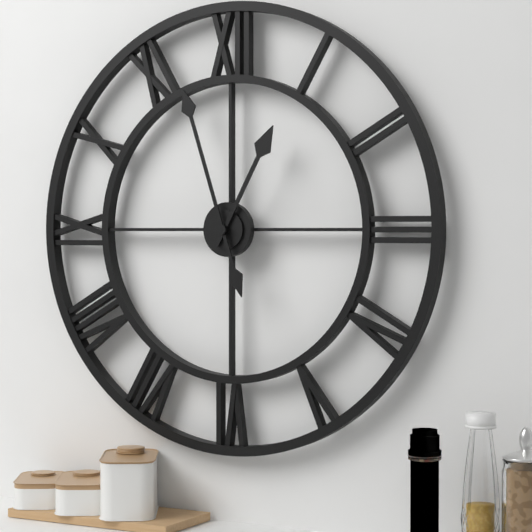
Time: 12h57
